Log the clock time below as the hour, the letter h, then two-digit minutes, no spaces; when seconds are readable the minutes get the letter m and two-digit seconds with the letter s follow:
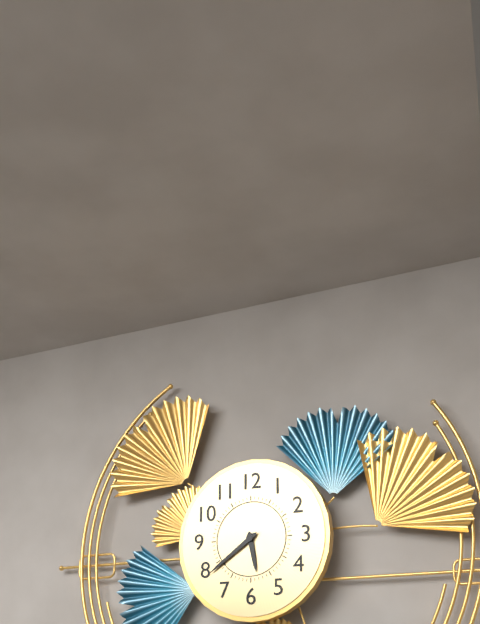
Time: 5h39
